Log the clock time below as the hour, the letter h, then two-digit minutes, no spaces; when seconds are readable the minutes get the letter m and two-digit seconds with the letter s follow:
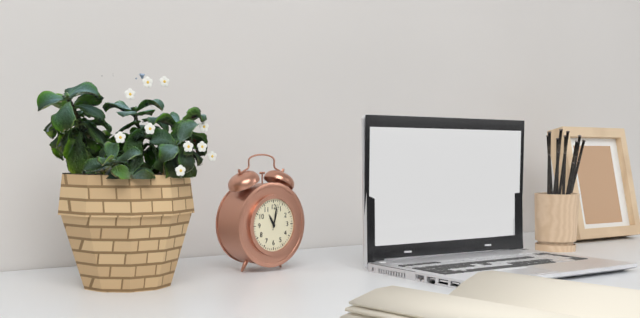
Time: 11h02
